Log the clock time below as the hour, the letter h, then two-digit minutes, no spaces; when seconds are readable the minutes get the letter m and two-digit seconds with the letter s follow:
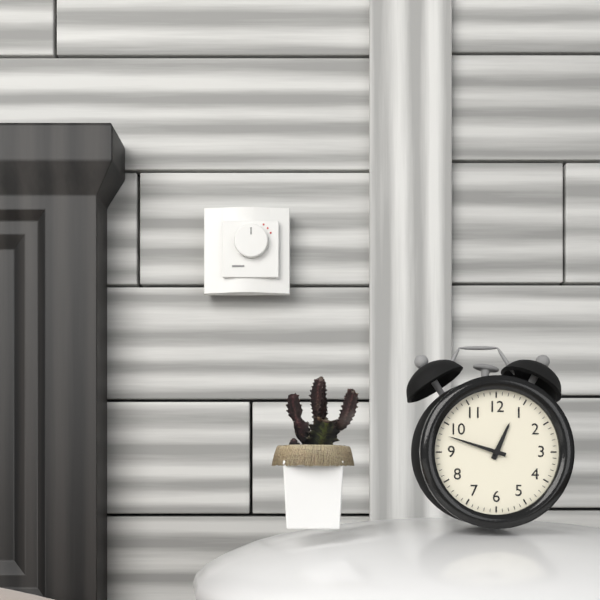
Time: 12h48
